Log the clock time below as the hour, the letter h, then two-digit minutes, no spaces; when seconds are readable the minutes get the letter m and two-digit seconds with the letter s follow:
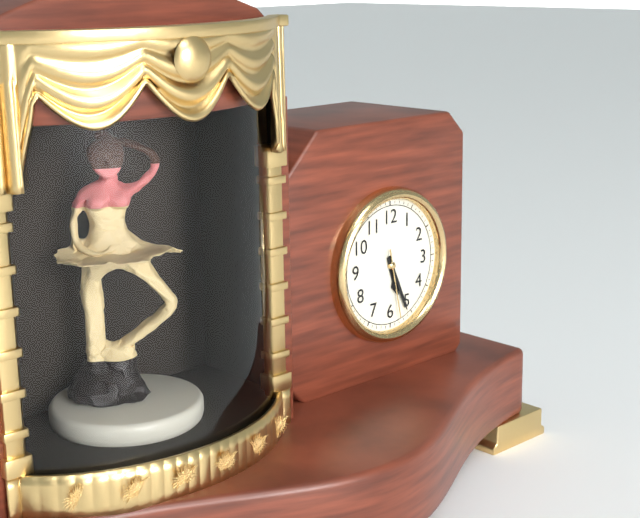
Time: 5h26m28s
